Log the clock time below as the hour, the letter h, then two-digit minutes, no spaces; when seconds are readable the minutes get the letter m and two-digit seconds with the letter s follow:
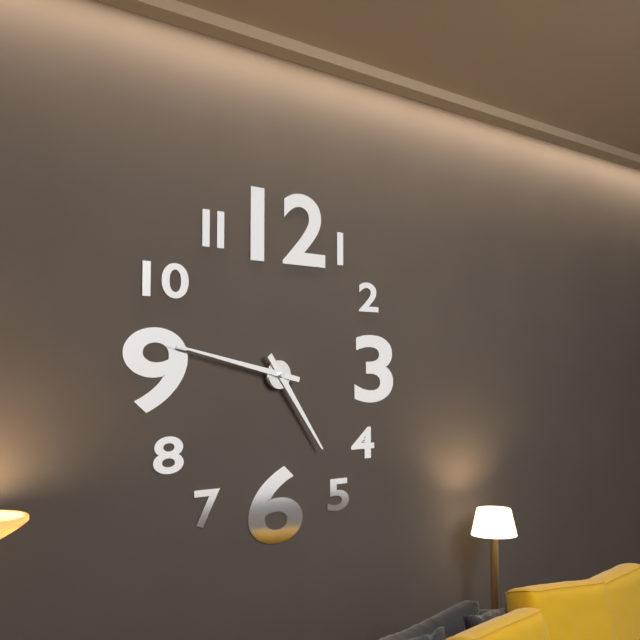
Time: 4h47
